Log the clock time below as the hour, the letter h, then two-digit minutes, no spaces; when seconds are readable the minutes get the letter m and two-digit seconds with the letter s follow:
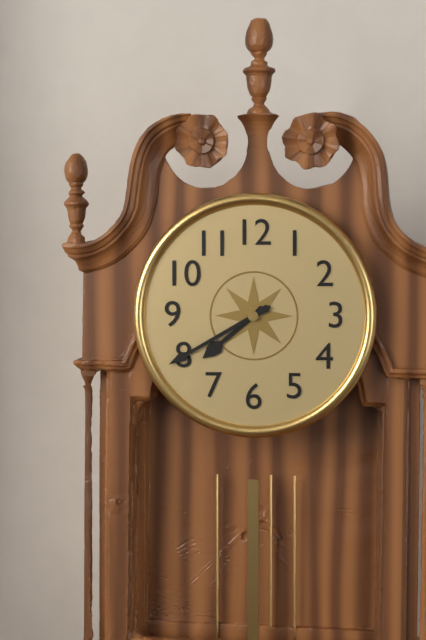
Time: 7h40
